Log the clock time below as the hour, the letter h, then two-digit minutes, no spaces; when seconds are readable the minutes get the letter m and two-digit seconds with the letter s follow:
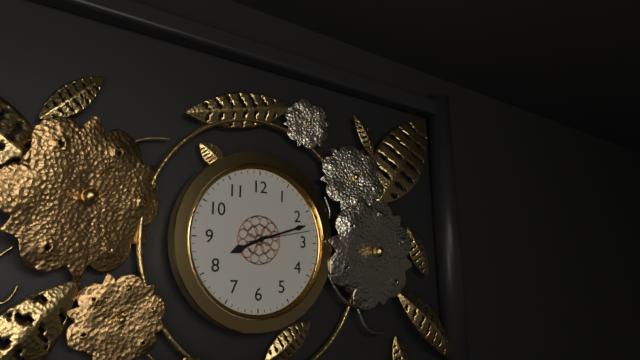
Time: 8h12m13s
